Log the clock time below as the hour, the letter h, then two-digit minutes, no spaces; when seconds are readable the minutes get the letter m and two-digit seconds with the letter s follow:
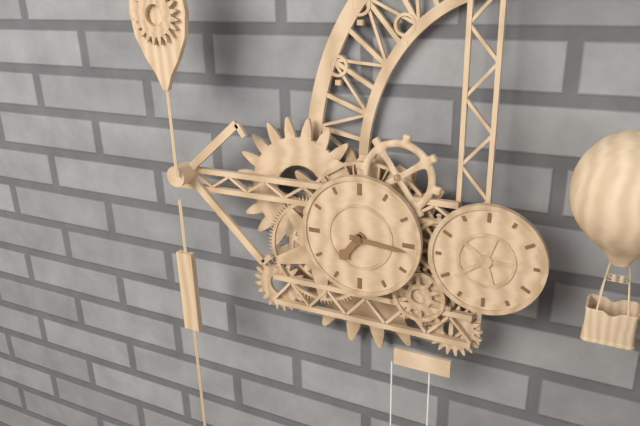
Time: 7h16
